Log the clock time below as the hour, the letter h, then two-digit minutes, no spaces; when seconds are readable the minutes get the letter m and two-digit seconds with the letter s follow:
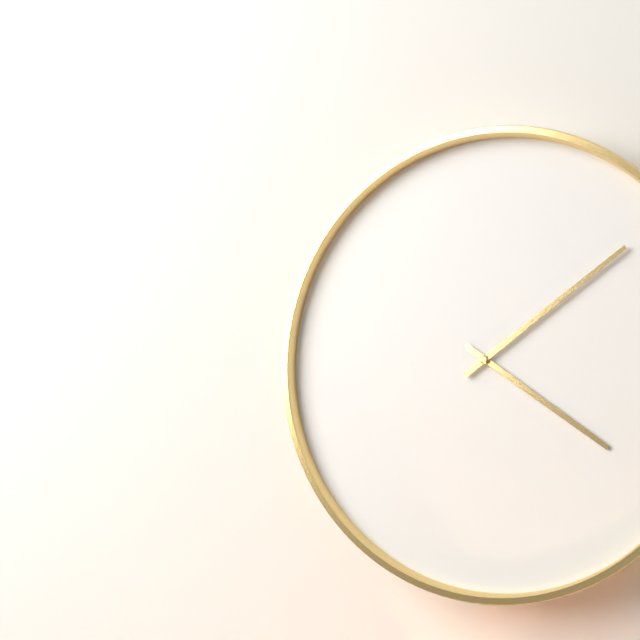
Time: 4h09
